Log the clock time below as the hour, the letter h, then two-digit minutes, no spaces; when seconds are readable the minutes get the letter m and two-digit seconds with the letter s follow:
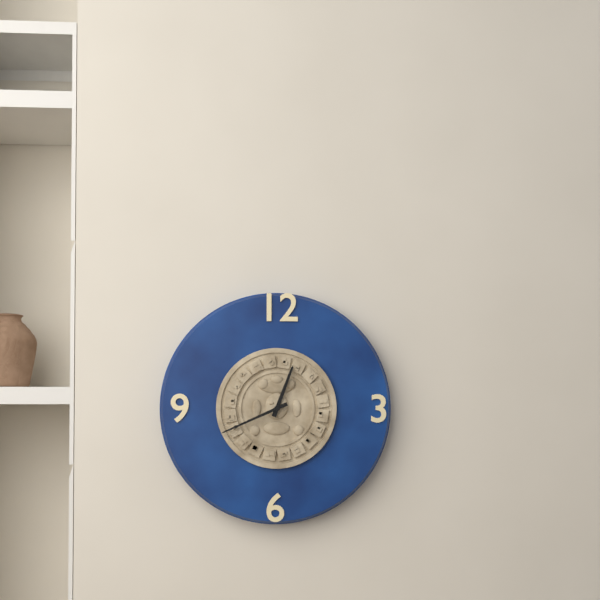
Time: 12h41
